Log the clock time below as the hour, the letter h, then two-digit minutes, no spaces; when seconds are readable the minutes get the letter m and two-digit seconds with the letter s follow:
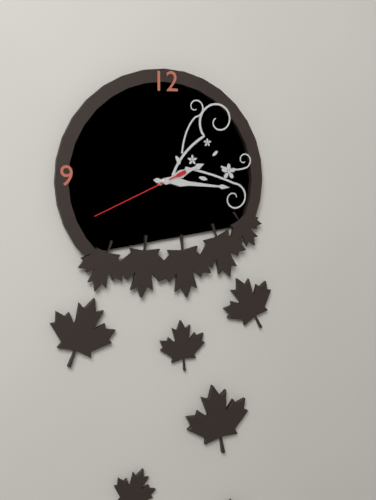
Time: 2h16m41s
